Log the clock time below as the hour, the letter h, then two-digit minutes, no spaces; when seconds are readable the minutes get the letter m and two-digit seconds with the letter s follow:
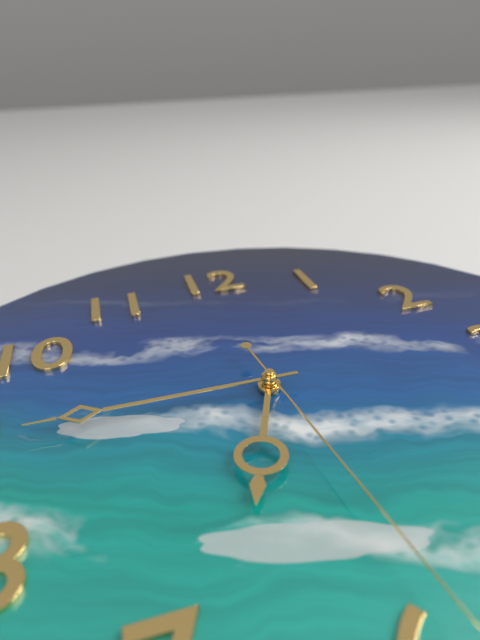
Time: 6h45
